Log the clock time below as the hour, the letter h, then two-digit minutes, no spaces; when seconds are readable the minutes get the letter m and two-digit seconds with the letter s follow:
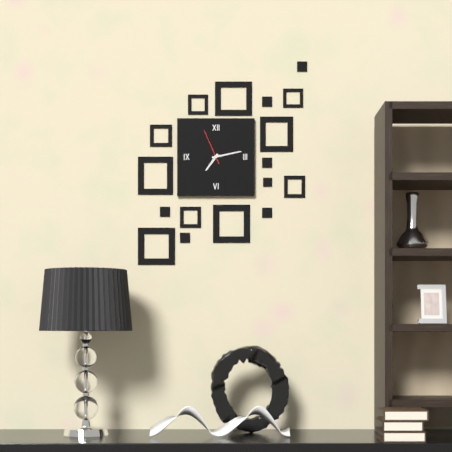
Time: 7h13
